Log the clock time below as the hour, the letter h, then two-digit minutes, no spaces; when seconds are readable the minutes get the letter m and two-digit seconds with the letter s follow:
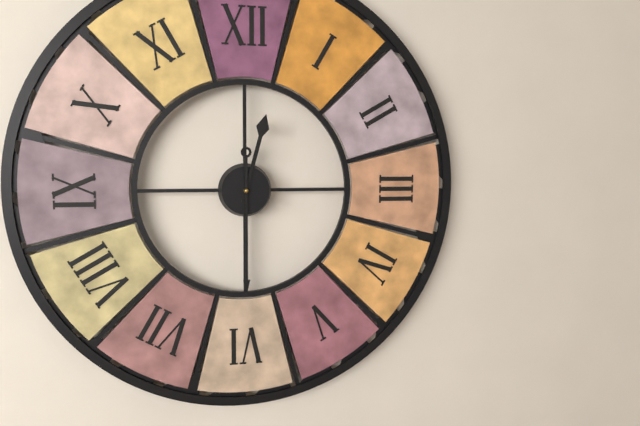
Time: 12h30
